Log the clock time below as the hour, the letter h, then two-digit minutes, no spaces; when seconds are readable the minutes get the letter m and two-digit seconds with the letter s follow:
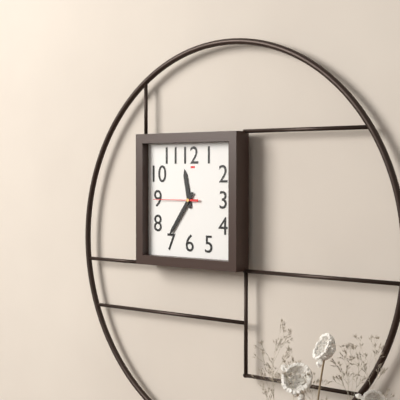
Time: 11h36
